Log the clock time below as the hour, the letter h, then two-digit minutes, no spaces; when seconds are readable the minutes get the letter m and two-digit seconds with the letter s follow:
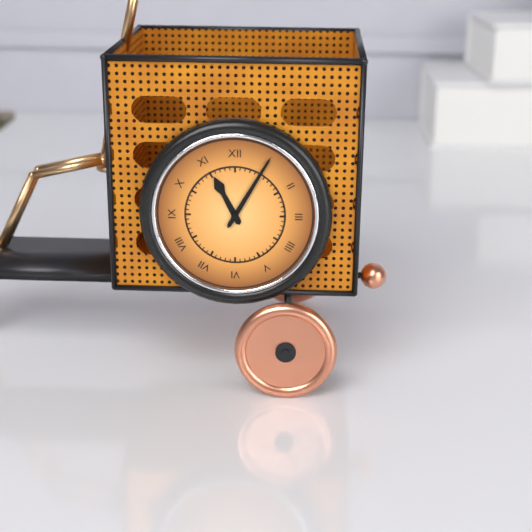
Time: 11h05
